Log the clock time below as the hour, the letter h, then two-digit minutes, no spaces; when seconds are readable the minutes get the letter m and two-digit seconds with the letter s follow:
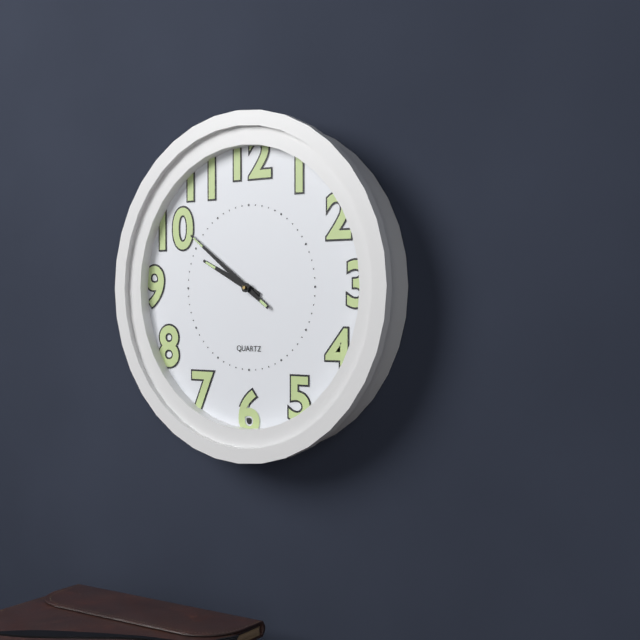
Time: 9h51
